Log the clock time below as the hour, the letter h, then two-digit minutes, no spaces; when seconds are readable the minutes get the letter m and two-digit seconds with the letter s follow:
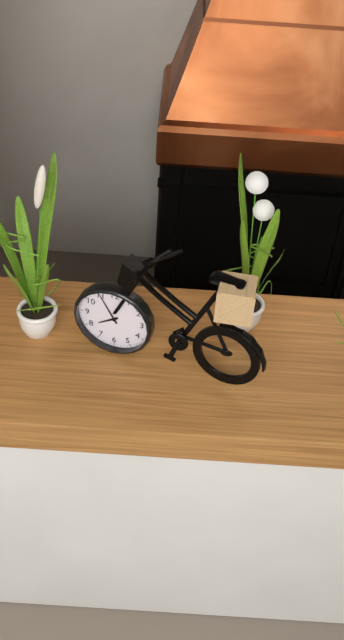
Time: 7h55
